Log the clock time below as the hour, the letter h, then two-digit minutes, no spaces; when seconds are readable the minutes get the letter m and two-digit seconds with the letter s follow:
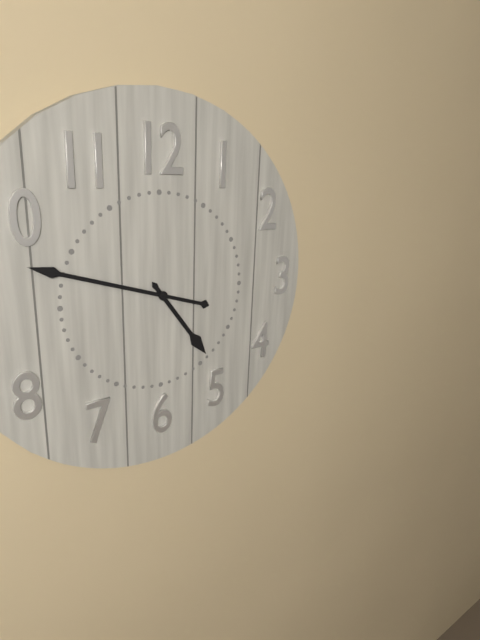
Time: 4h48
